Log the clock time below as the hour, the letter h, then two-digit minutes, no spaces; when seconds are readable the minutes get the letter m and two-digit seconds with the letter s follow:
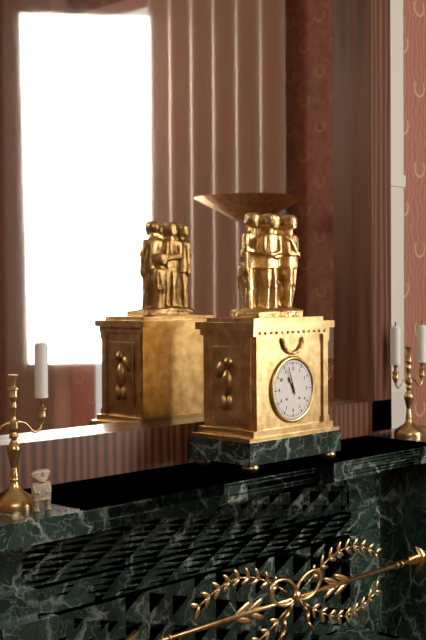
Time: 10h57
